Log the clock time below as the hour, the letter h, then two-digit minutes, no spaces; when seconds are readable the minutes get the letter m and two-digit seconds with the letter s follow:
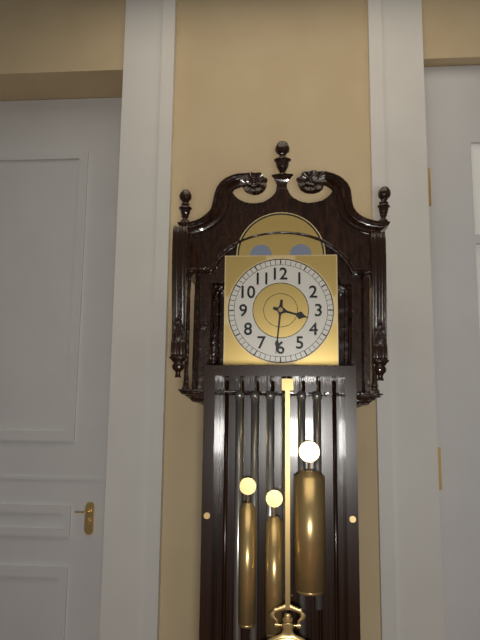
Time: 3h31
